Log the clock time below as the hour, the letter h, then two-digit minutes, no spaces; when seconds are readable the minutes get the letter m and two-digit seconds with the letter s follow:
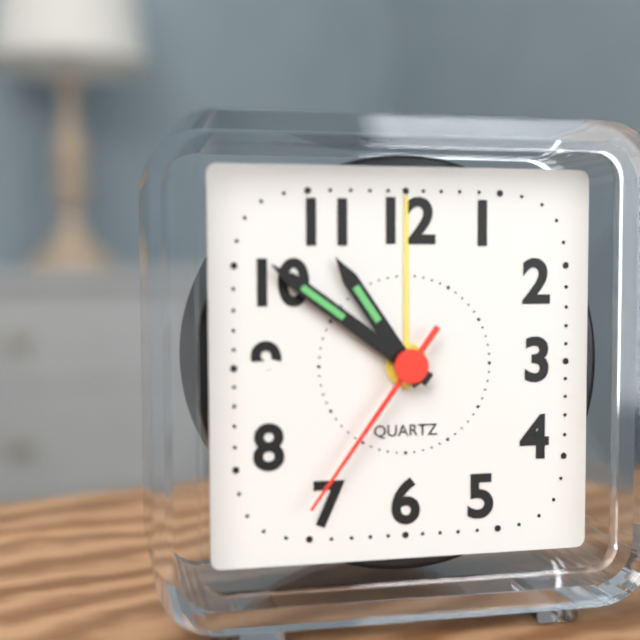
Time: 10h51m36s
